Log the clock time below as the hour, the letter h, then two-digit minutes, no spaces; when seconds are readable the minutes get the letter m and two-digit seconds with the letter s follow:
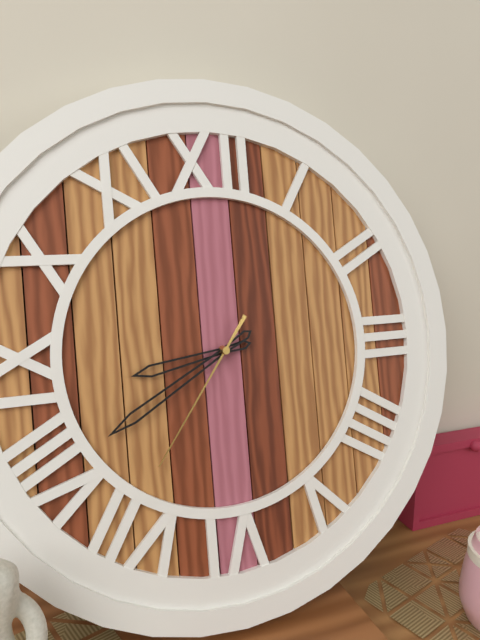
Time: 8h40m36s
